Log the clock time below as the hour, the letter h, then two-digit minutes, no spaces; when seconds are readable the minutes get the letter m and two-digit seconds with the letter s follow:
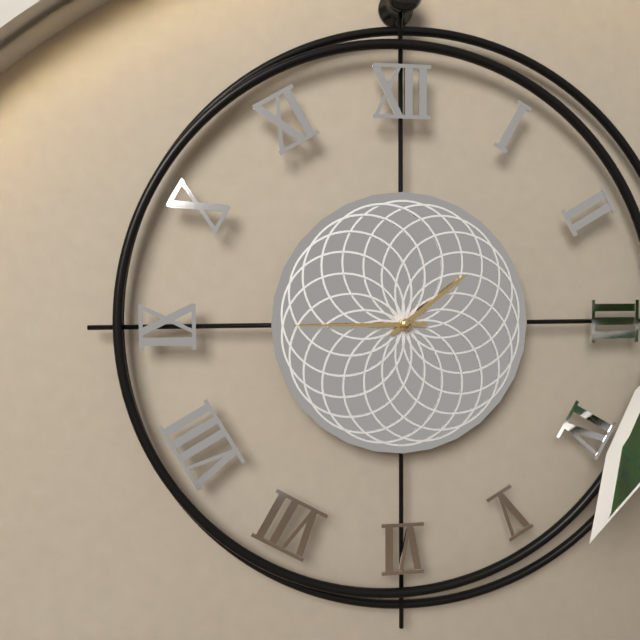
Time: 1h45
